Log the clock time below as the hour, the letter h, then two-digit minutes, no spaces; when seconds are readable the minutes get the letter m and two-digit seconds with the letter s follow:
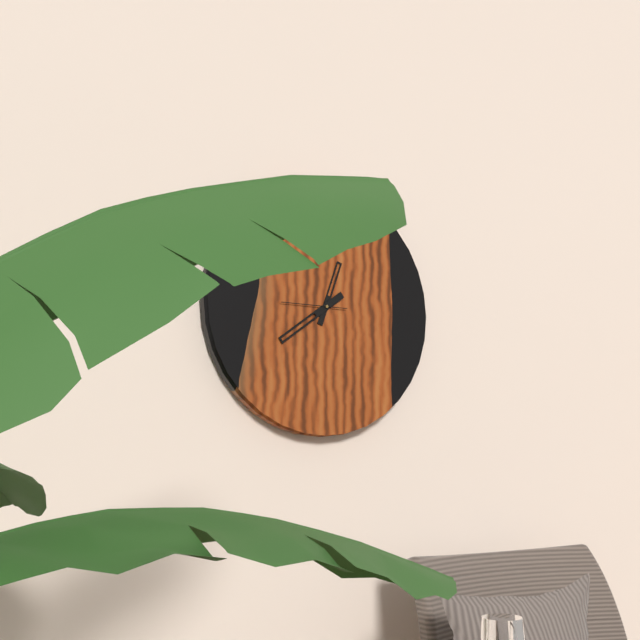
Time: 12h39m45s
